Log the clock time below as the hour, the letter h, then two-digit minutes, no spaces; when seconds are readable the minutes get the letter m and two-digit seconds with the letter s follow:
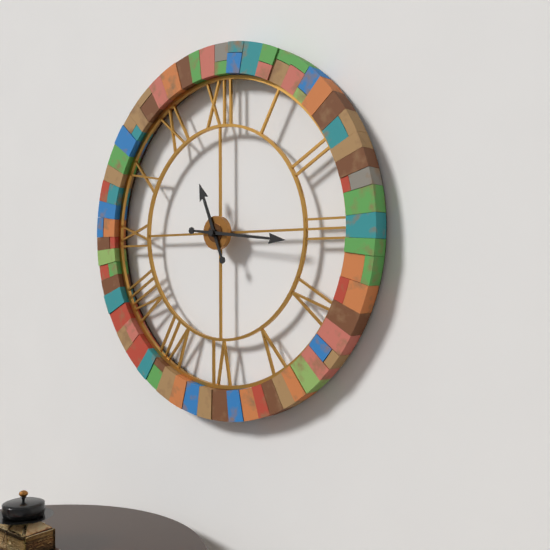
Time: 11h16
